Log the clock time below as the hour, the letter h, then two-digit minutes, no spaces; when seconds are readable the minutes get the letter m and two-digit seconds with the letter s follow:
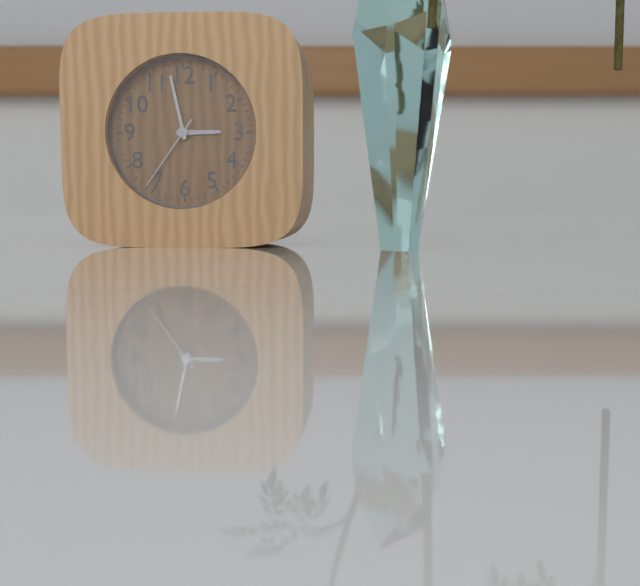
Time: 2h58m36s
